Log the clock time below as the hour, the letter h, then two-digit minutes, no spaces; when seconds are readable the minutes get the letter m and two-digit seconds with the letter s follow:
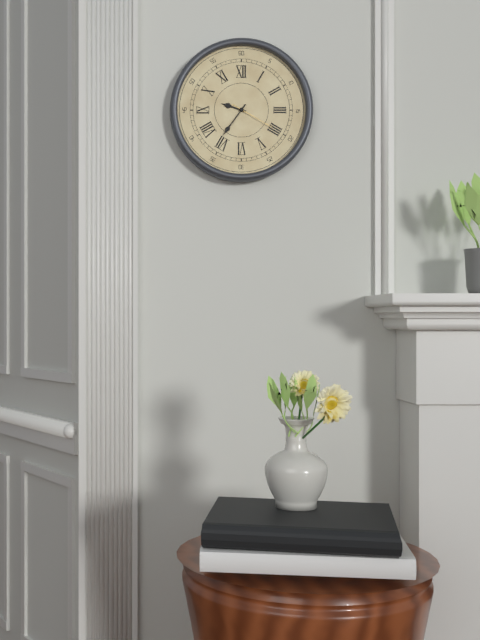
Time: 9h36
